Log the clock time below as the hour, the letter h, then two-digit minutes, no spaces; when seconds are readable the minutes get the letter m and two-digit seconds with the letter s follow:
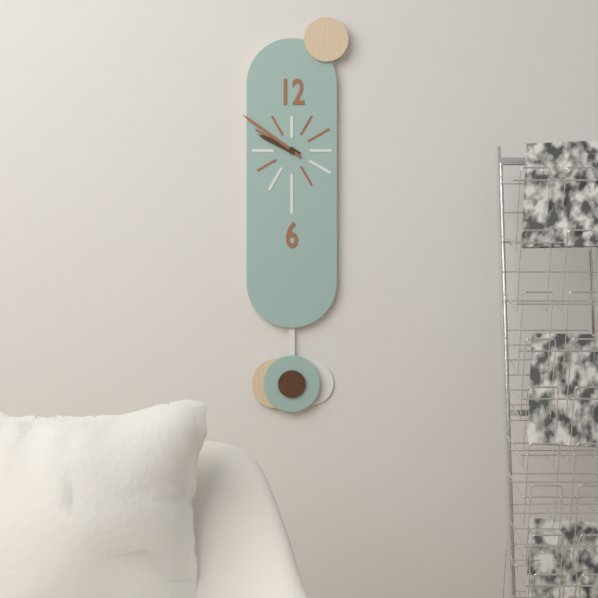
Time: 9h51
